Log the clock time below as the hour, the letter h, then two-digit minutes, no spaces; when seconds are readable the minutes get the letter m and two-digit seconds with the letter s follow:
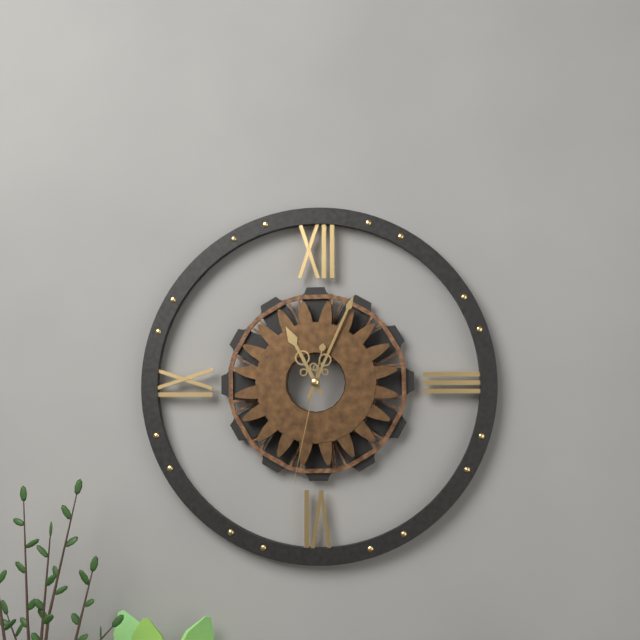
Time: 11h04m32s
